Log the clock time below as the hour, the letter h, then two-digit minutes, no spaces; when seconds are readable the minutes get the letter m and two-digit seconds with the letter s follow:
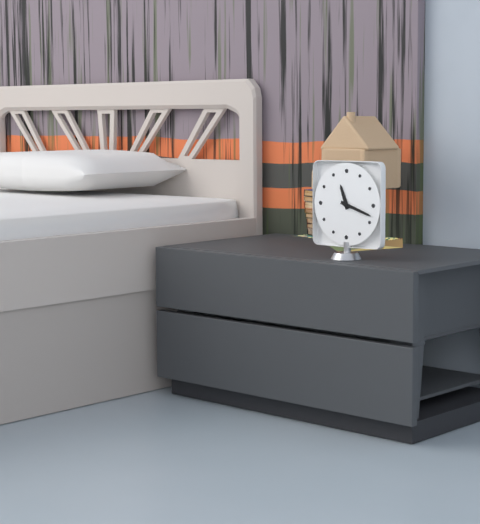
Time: 11h18
